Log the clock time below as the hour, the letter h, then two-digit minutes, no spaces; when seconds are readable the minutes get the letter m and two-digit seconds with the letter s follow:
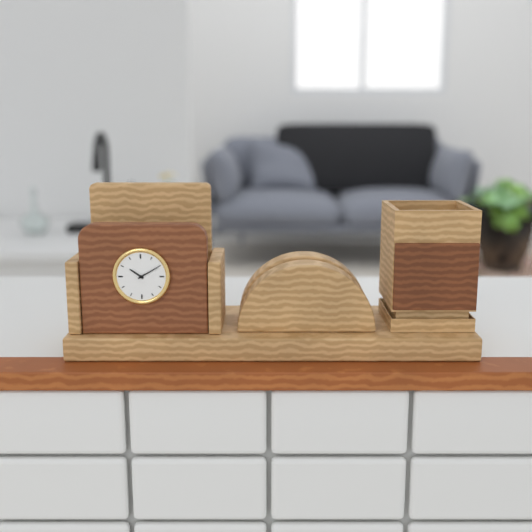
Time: 10h10
